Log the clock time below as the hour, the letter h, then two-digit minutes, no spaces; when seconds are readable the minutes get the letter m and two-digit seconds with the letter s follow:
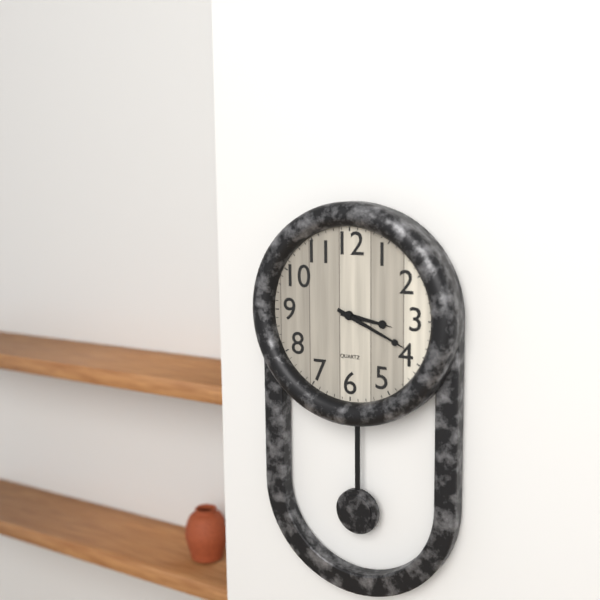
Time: 3h19
